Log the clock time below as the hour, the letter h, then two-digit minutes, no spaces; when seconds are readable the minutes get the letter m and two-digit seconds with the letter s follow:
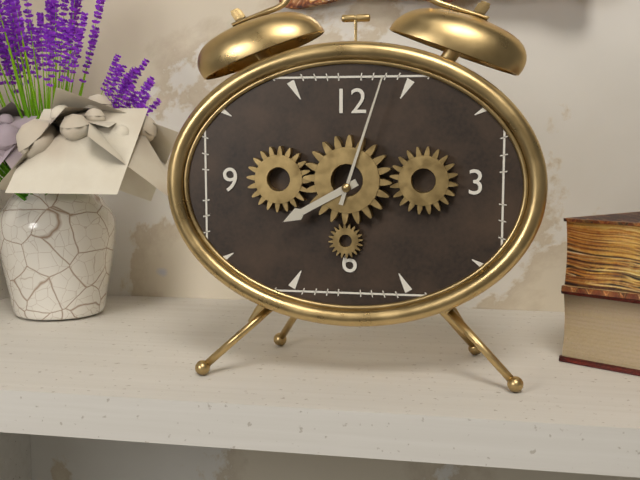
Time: 8h03
